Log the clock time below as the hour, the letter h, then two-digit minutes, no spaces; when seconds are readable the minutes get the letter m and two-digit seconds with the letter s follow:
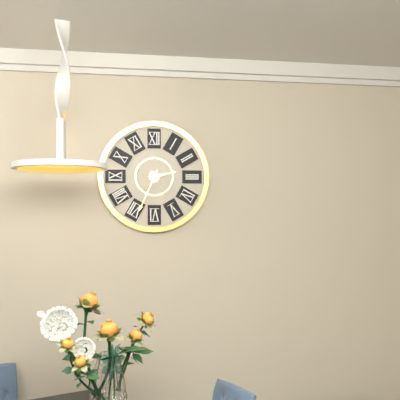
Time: 2h34
